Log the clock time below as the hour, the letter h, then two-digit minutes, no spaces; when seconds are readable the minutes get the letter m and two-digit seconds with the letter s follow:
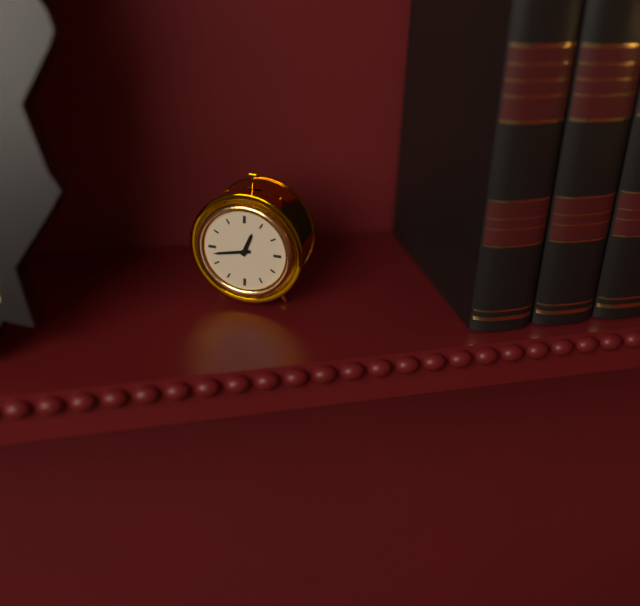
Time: 12h43
